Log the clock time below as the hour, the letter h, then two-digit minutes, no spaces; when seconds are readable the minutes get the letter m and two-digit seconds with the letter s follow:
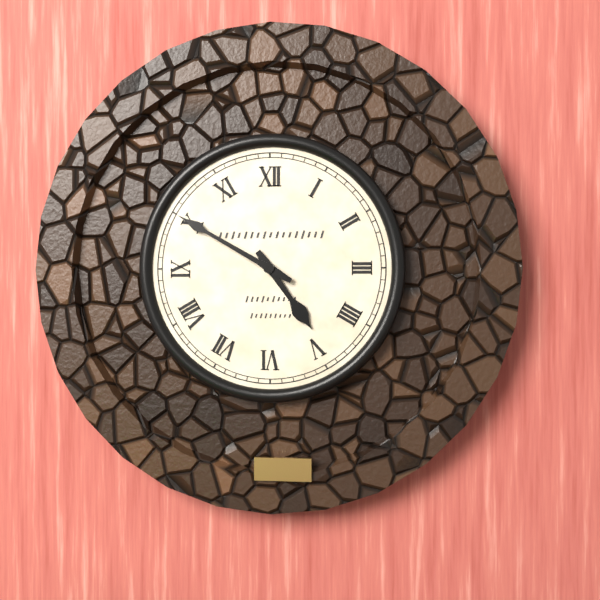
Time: 4h50
